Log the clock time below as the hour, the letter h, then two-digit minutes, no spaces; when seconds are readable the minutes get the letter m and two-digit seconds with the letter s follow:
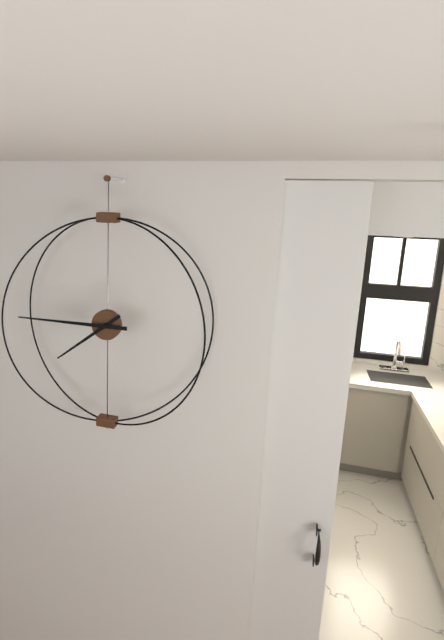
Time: 7h45
